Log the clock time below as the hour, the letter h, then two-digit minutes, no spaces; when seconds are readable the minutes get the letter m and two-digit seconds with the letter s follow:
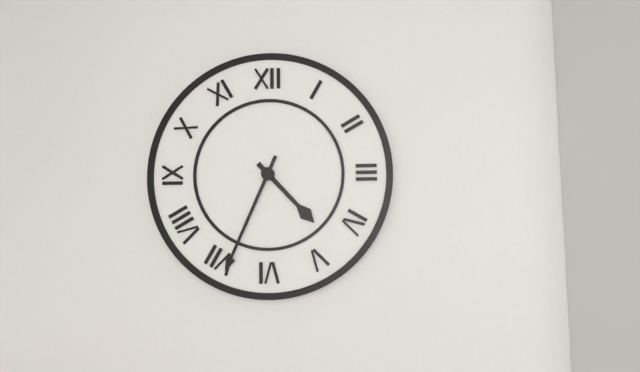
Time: 4h34
